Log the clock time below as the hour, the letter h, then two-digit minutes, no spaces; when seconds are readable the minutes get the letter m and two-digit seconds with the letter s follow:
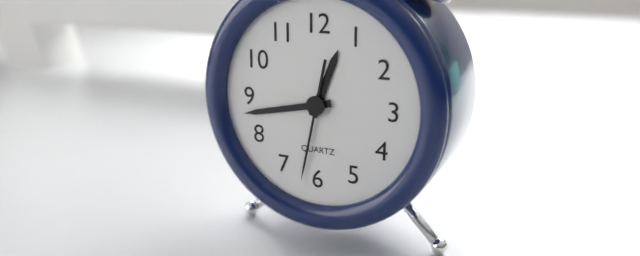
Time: 12h43m32s
